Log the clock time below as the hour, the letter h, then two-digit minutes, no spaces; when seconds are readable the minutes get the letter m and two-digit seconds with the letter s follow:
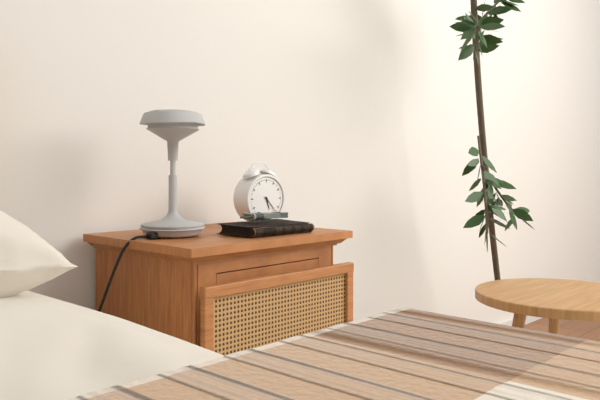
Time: 5h23
